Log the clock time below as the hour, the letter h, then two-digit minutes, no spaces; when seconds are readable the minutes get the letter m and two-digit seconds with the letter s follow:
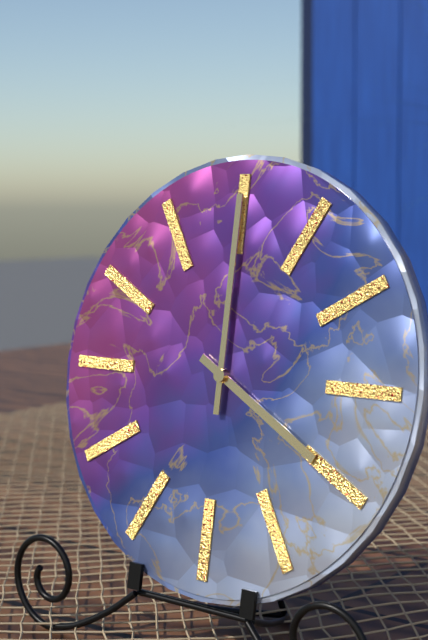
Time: 4h00
